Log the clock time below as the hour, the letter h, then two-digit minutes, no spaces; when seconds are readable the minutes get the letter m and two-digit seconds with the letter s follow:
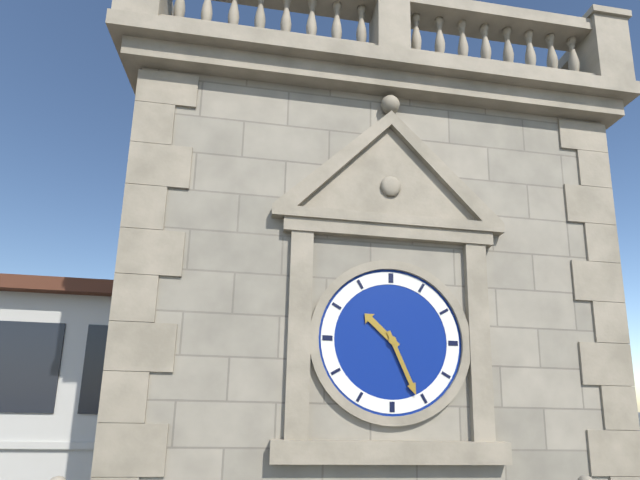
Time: 10h26
